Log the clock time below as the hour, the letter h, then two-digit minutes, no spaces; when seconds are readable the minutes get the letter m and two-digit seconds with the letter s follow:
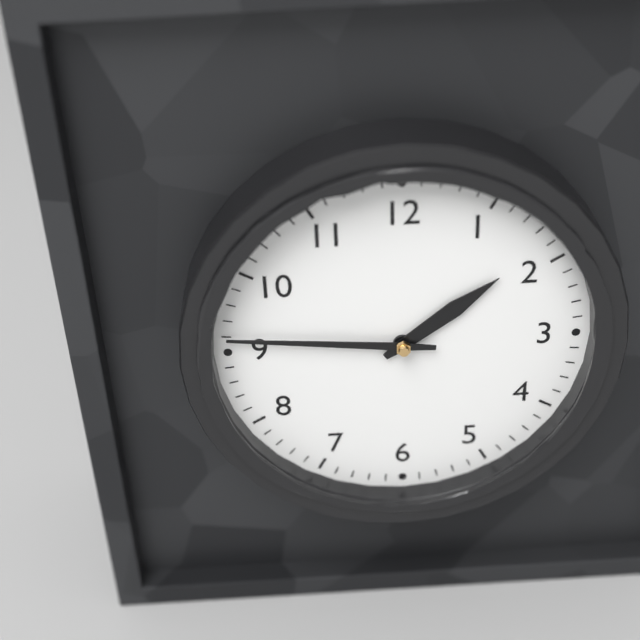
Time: 1h46
